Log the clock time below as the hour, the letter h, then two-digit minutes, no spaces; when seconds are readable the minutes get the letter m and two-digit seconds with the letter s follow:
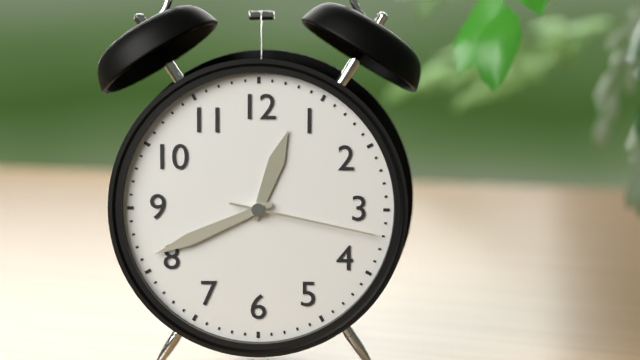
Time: 12h41m17s
